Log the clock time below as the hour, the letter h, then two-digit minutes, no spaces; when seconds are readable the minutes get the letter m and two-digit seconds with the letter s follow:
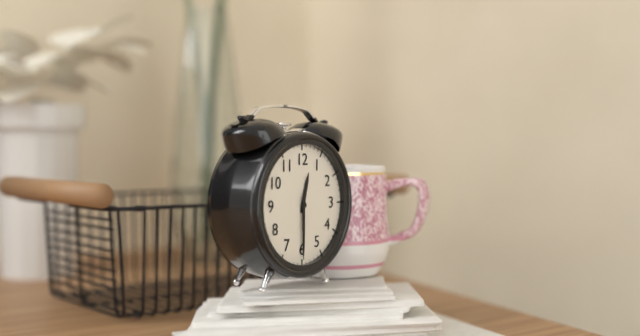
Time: 12h30
